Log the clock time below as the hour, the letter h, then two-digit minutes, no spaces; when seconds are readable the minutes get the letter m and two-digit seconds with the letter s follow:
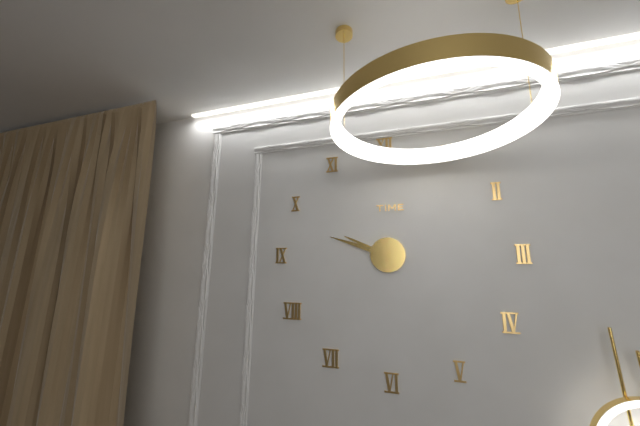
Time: 9h48
